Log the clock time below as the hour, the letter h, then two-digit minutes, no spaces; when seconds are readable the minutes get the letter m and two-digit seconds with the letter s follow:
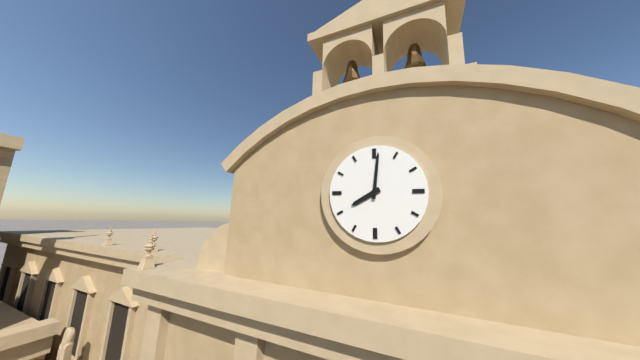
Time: 8h01
